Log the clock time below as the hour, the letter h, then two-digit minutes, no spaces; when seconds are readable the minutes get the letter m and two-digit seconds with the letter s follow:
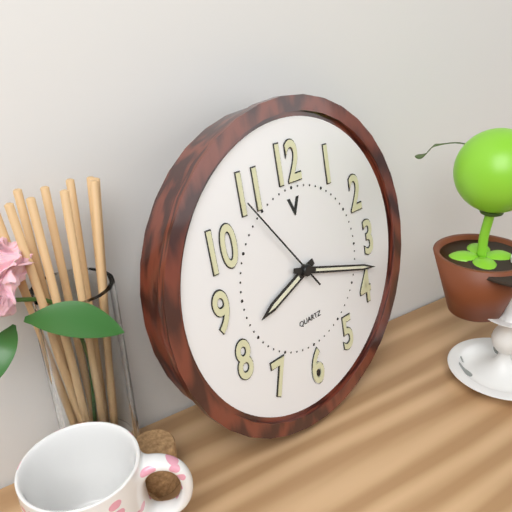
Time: 8h18m54s
